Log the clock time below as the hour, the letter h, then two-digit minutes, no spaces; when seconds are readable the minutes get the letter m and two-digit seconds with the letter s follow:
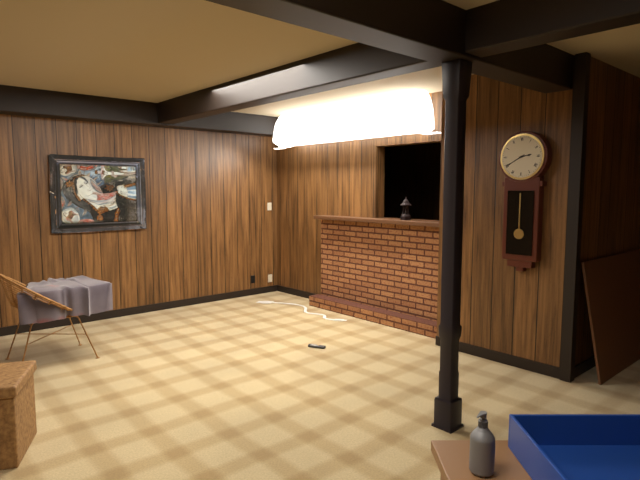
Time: 2h40
